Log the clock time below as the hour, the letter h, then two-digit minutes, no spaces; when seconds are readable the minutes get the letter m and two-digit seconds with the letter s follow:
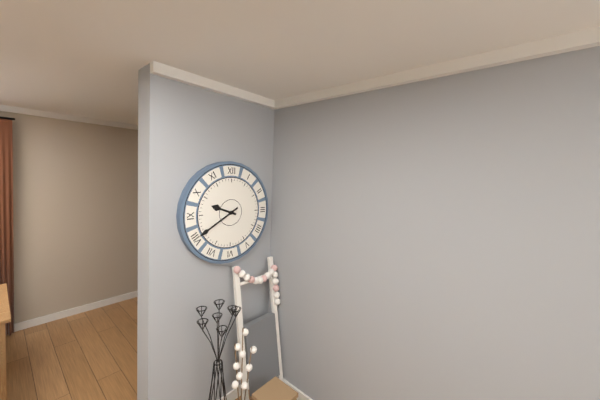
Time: 9h40
